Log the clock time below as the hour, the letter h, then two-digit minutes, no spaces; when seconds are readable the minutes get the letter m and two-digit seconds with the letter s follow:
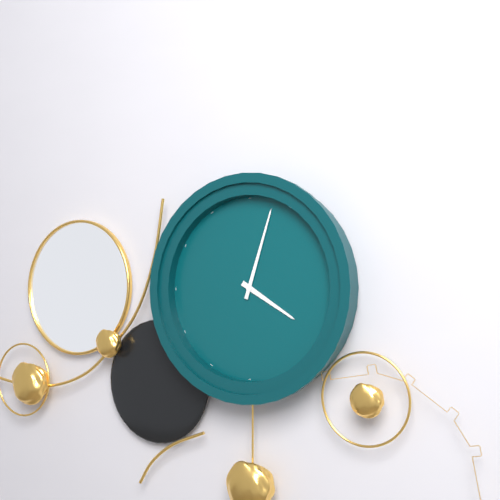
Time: 4h03
